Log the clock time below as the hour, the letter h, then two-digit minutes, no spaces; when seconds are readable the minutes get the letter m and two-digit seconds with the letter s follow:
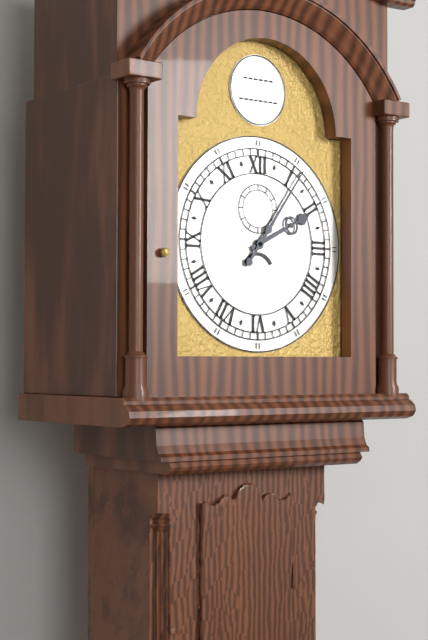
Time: 2h06
